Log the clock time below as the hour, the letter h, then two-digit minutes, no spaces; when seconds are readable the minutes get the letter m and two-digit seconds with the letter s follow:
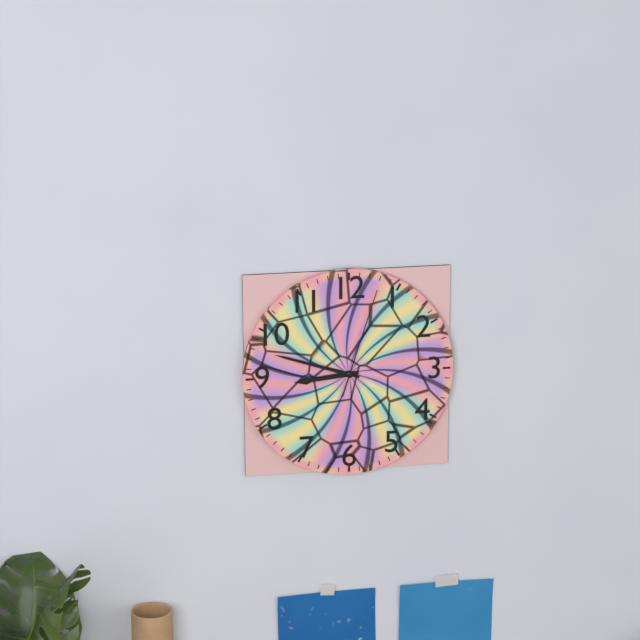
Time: 8h48m03s
